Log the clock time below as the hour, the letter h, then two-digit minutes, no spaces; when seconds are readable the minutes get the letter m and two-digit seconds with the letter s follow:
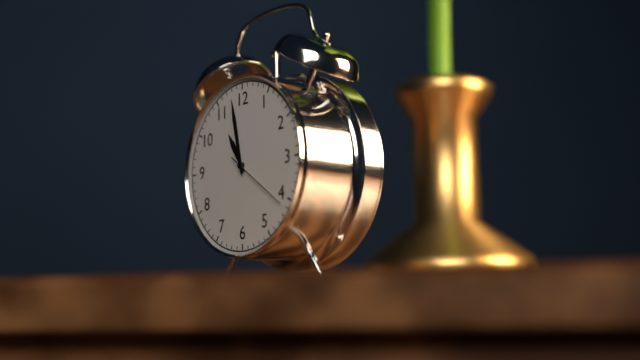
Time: 10h58m21s
